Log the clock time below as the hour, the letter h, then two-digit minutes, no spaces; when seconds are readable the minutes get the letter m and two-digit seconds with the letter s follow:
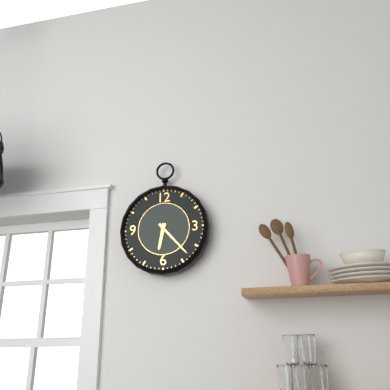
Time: 6h23
